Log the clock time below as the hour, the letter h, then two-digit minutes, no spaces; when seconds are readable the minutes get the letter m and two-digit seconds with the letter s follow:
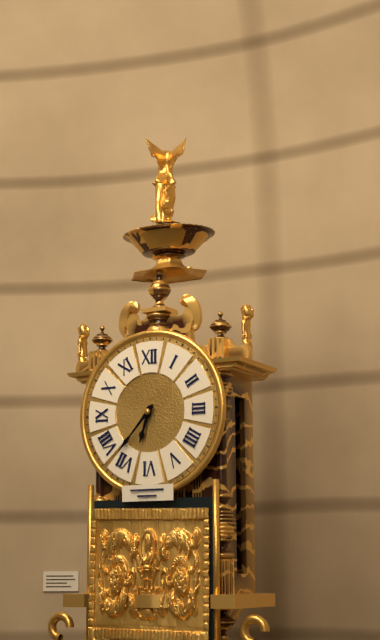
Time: 6h37
